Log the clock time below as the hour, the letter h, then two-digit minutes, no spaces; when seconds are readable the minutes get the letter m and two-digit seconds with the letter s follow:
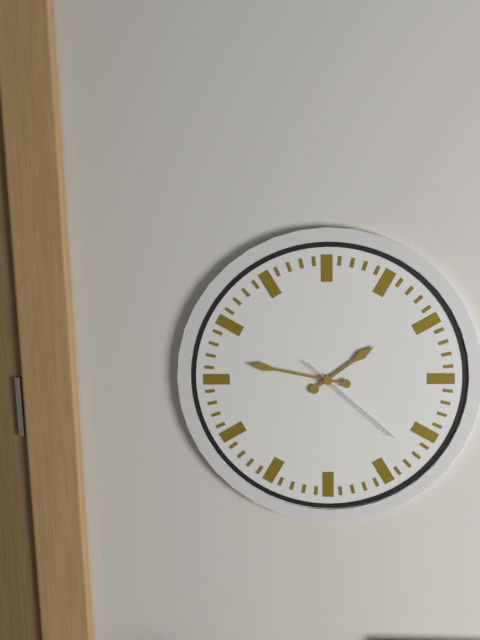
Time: 1h47m22s
